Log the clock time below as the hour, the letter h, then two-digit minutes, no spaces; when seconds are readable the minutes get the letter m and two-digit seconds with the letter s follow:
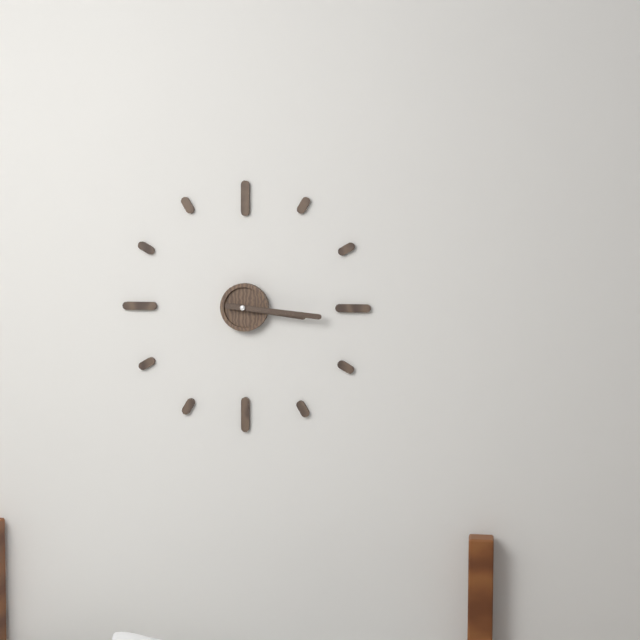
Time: 3h16
